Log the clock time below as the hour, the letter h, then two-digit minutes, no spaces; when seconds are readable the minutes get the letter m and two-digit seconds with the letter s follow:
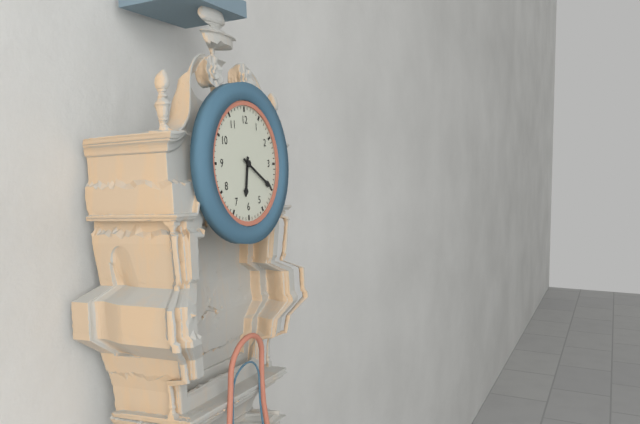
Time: 6h20
